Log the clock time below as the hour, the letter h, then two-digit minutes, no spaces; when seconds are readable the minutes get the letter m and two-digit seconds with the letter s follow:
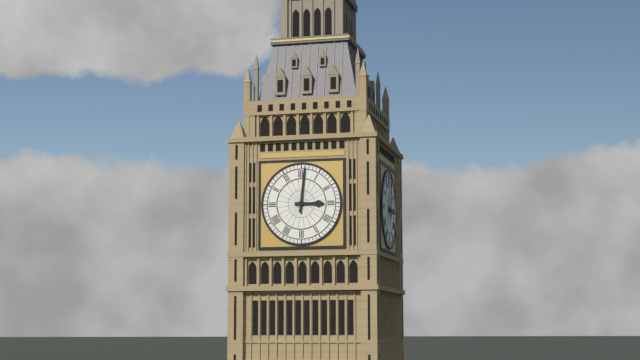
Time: 3h01
